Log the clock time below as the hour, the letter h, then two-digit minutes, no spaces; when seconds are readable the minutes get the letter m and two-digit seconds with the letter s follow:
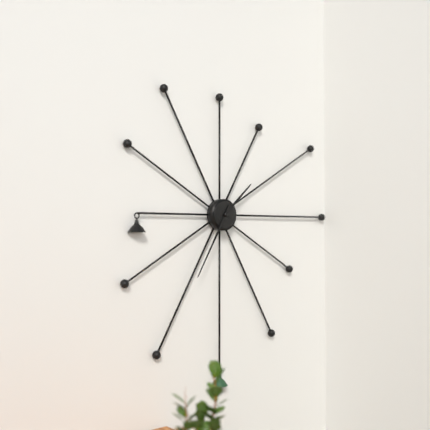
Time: 1h35
